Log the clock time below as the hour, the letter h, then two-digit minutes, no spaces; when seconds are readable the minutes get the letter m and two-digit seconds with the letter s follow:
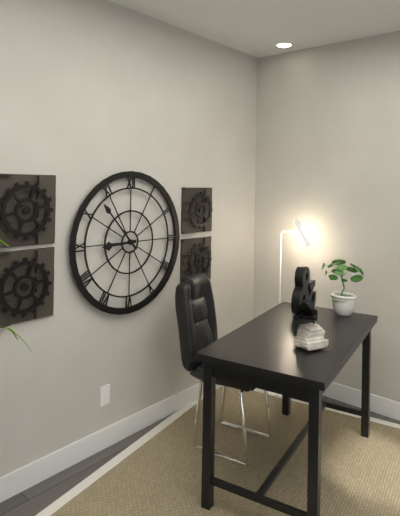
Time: 8h53
